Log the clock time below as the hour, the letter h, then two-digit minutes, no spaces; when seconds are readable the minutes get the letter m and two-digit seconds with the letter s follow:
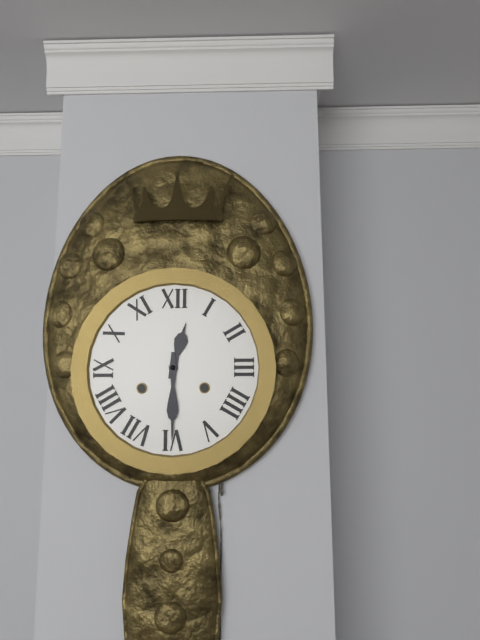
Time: 12h30
